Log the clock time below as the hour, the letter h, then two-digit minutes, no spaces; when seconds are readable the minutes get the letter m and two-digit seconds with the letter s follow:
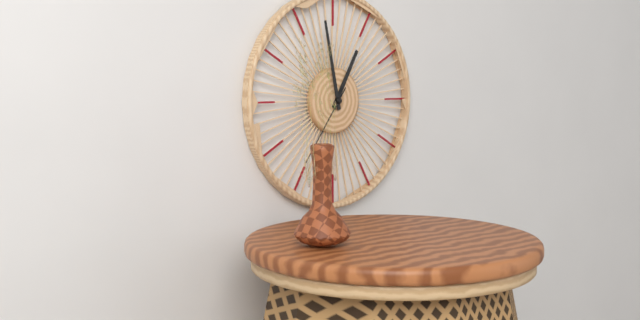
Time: 12h58m36s
